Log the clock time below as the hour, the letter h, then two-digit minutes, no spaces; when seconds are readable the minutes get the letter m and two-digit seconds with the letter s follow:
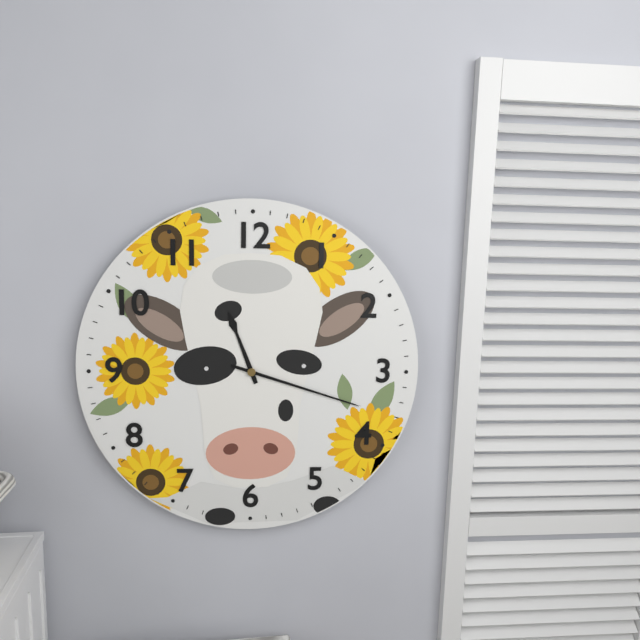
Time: 11h18
